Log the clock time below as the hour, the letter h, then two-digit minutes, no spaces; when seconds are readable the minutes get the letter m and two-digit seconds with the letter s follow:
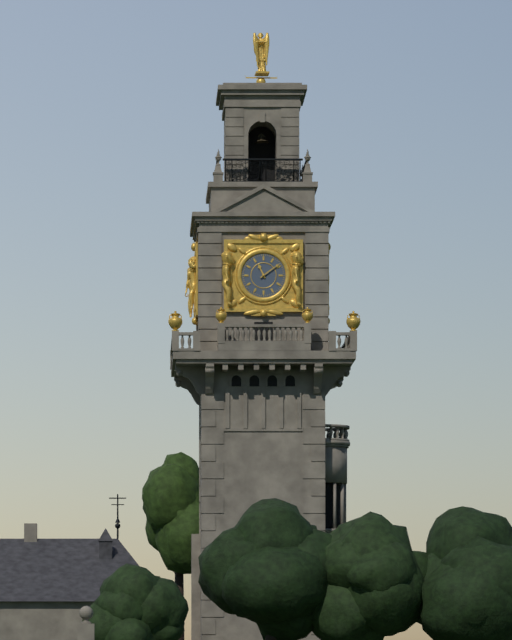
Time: 11h09
